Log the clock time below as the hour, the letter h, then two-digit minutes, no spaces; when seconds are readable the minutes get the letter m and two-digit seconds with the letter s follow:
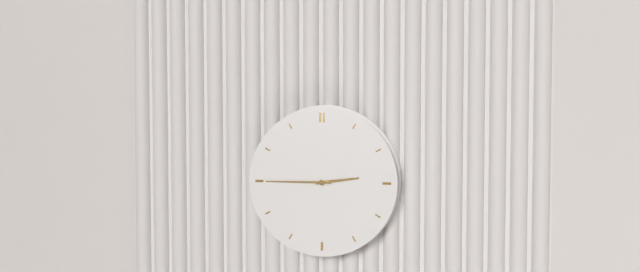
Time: 2h45
